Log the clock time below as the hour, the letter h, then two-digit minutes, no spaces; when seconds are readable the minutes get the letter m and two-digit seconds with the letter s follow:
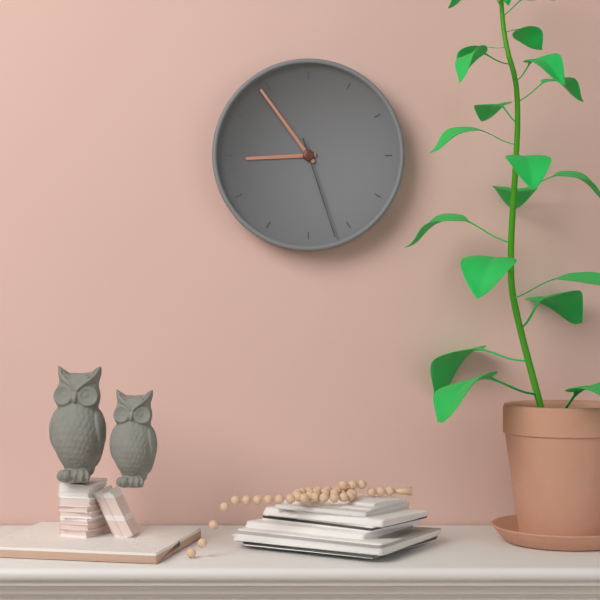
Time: 8h54m27s
